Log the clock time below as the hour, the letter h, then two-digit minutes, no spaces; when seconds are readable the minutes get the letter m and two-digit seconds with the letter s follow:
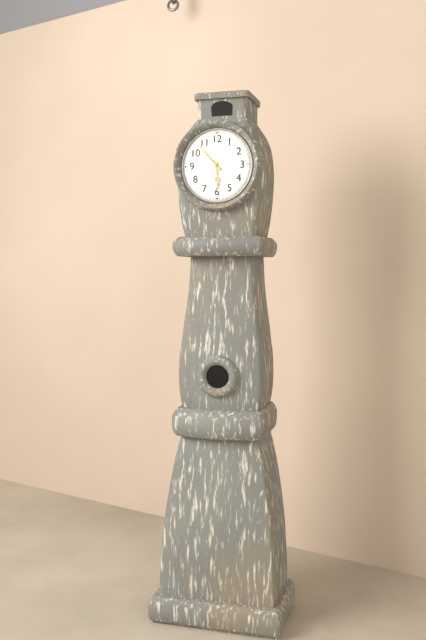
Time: 5h53
